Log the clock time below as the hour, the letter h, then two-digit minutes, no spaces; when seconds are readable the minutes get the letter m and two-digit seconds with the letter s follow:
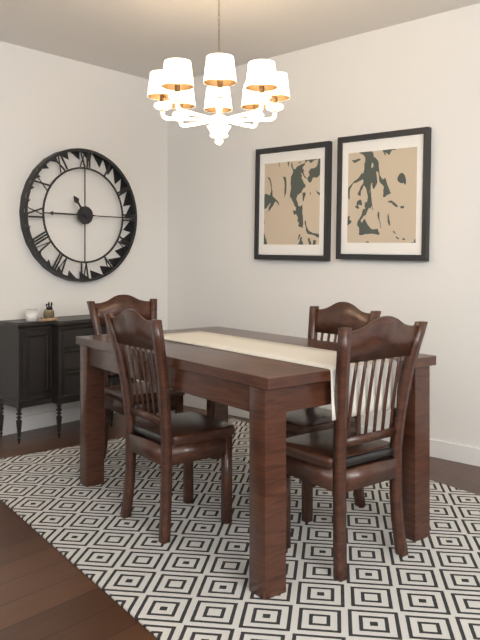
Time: 10h45
